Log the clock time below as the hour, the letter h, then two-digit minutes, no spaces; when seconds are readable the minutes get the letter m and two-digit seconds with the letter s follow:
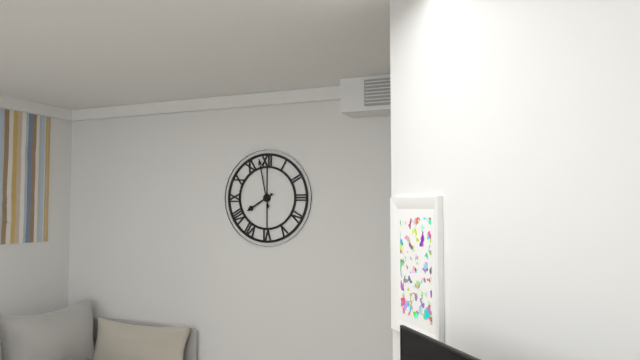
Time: 7h58
